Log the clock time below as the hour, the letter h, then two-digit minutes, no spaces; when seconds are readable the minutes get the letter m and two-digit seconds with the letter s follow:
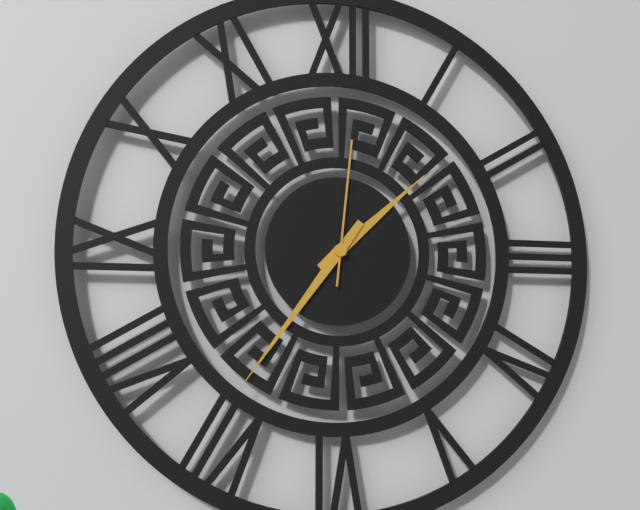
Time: 1h36m01s
